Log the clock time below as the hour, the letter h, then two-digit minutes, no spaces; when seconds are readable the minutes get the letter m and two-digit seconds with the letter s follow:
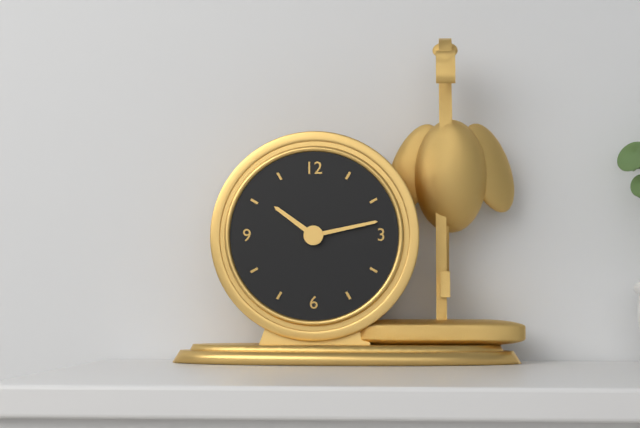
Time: 10h13
